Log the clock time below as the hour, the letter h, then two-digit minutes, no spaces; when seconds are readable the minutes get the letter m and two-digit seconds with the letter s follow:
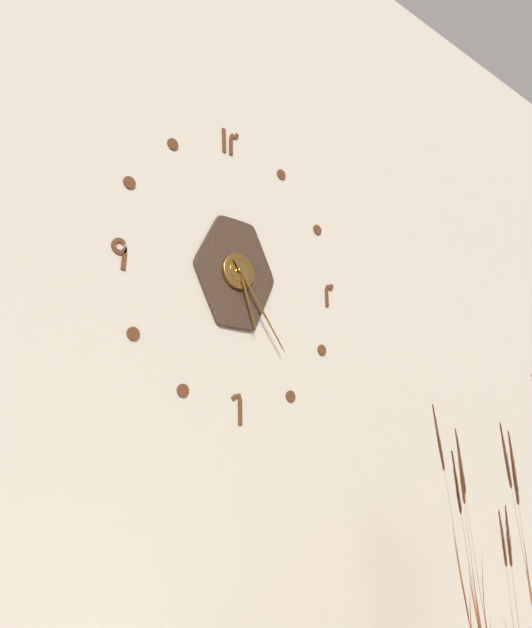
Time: 5h24
